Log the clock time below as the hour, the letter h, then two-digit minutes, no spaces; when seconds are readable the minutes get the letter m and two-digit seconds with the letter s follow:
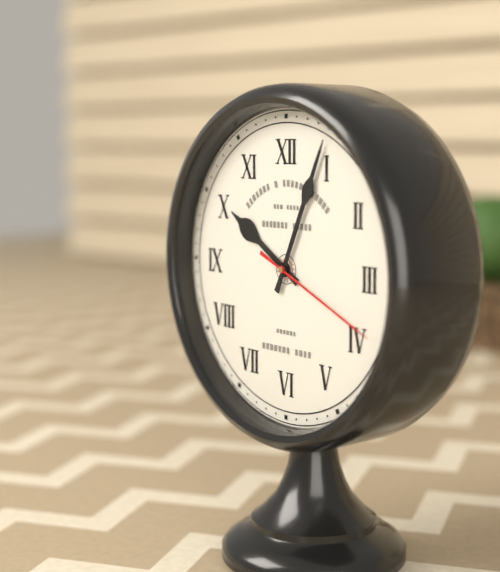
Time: 10h04m19s
